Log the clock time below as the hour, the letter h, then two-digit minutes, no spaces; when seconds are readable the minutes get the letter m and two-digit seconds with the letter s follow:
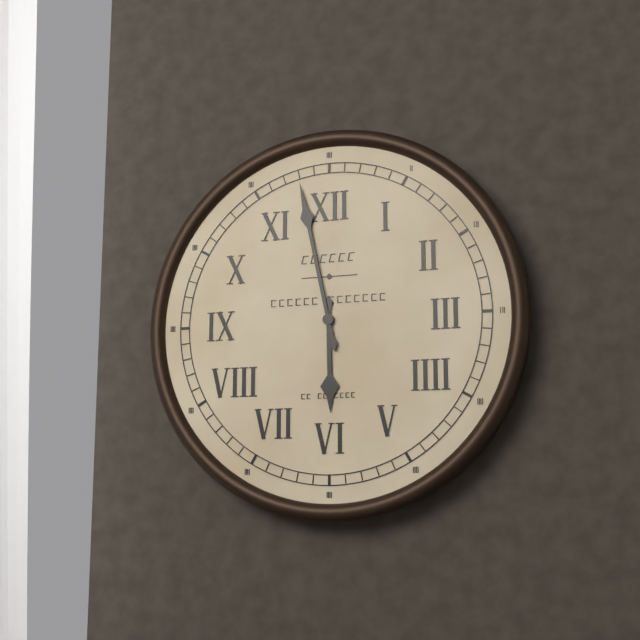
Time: 5h58
